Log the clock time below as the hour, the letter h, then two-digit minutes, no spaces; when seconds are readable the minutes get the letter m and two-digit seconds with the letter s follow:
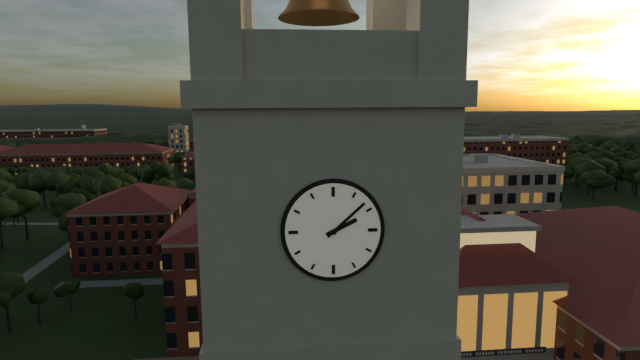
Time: 2h08
